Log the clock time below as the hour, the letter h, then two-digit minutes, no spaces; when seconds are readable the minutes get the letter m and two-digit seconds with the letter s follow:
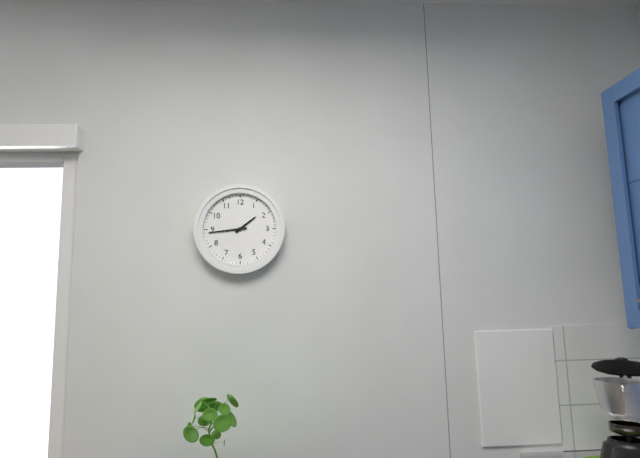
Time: 1h44
